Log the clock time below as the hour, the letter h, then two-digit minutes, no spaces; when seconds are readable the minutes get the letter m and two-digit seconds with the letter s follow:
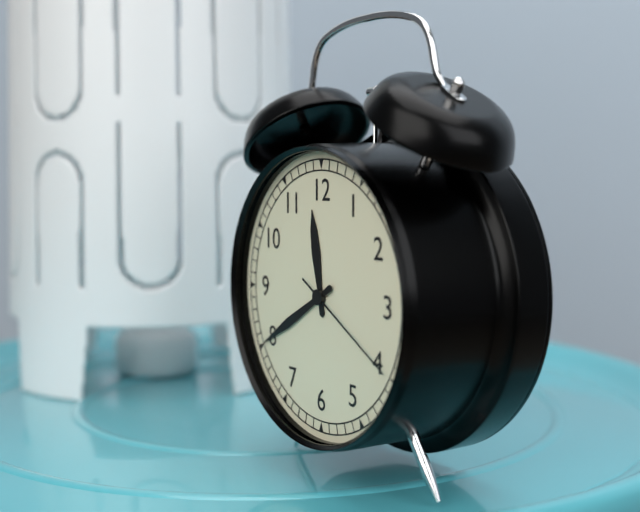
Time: 11h40m20s
